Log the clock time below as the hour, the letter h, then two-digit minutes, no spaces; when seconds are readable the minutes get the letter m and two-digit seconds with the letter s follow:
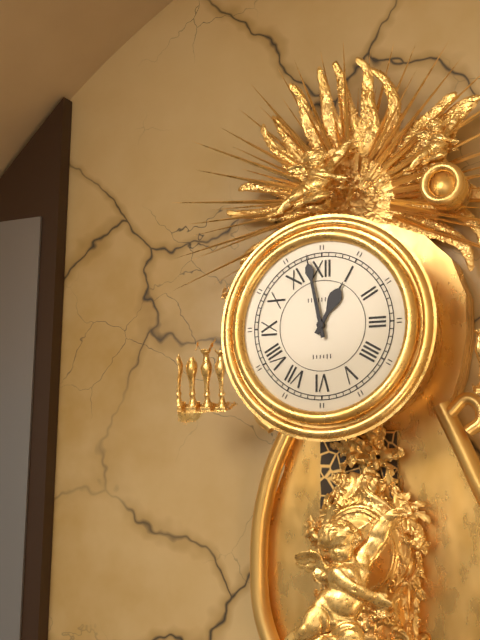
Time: 12h58
